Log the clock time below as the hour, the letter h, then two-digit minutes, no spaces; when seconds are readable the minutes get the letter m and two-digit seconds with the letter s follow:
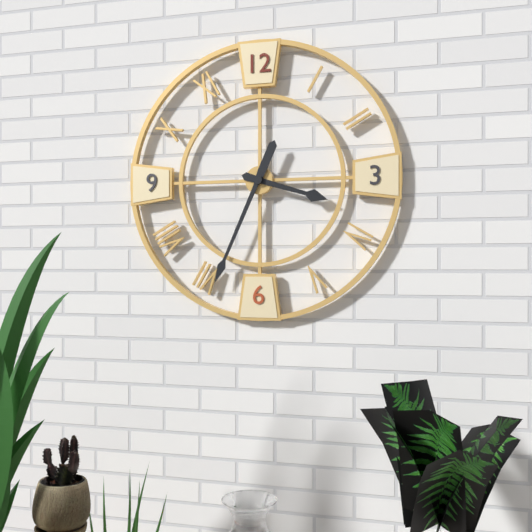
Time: 3h34
